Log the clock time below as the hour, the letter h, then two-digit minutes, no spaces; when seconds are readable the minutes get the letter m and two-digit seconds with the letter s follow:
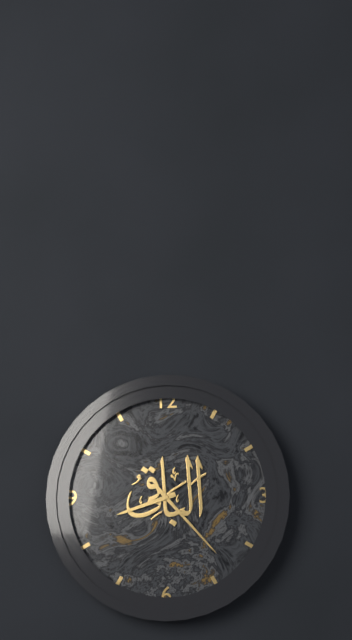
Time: 8h23
